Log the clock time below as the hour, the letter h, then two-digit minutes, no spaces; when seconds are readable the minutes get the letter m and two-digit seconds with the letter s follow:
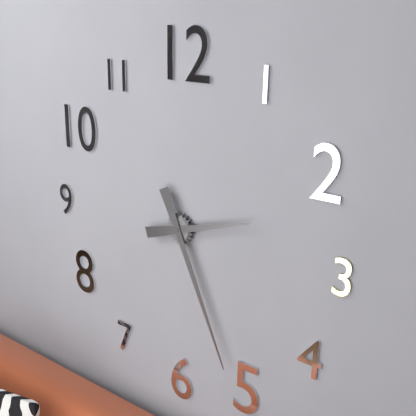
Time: 2h26
